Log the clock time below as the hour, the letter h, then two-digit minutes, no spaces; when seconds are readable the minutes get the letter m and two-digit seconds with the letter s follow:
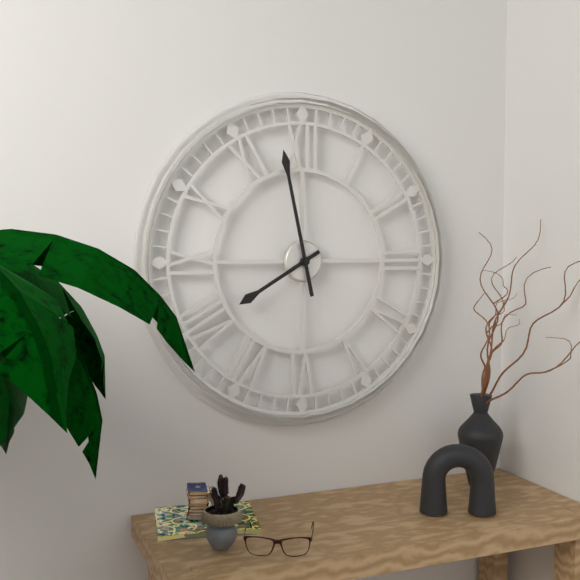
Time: 7h58
